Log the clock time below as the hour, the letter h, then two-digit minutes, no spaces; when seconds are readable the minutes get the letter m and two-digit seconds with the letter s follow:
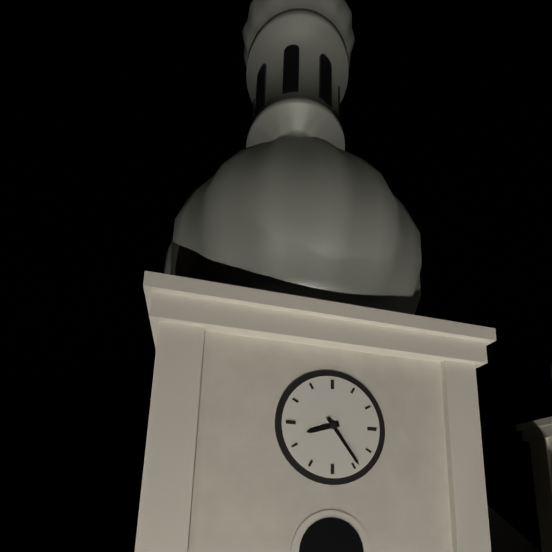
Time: 8h24
